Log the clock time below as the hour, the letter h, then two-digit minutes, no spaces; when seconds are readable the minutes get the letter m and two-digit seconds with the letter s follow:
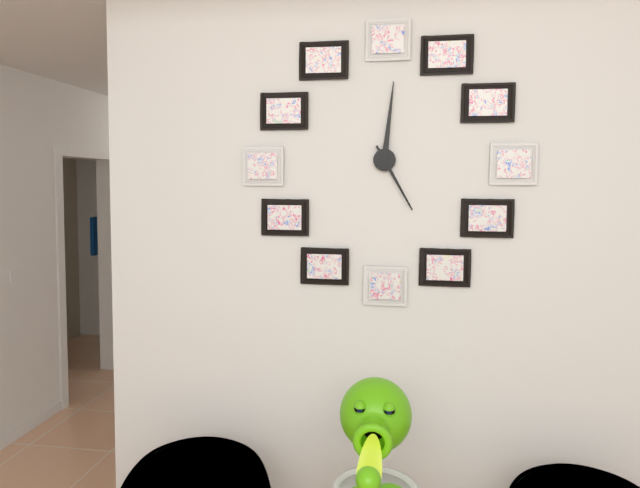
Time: 5h01
